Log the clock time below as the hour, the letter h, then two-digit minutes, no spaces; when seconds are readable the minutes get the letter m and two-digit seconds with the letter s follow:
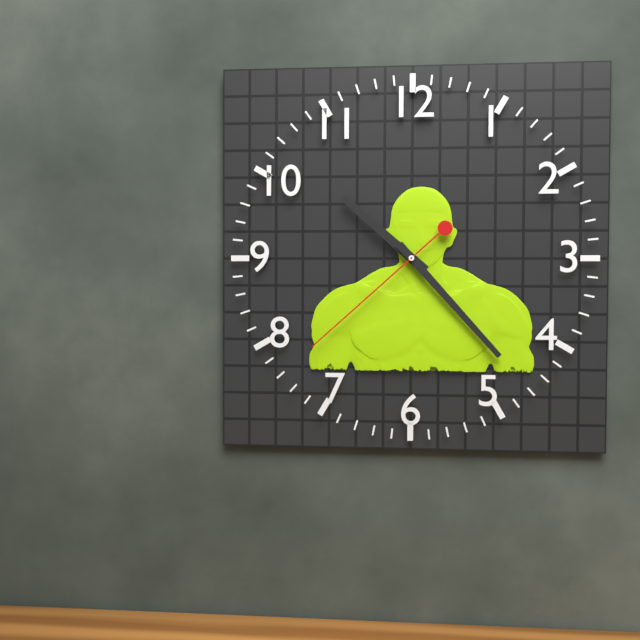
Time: 10h23m38s
